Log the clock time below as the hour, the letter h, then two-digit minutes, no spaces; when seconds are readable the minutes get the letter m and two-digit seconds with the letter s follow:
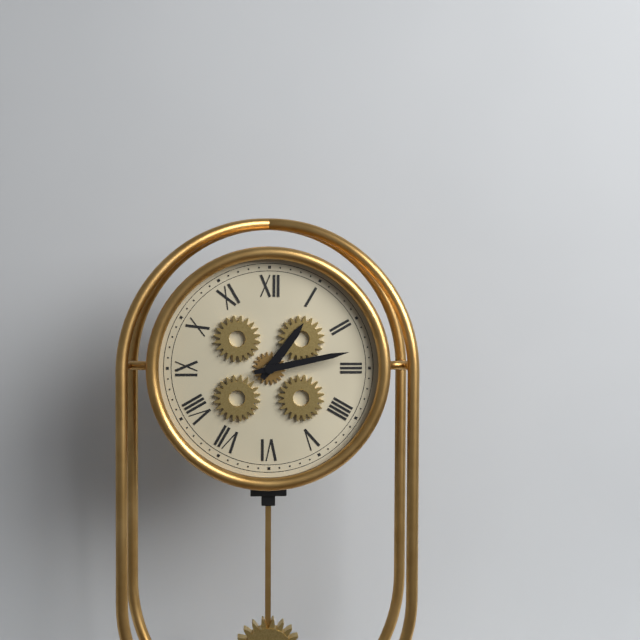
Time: 1h13
